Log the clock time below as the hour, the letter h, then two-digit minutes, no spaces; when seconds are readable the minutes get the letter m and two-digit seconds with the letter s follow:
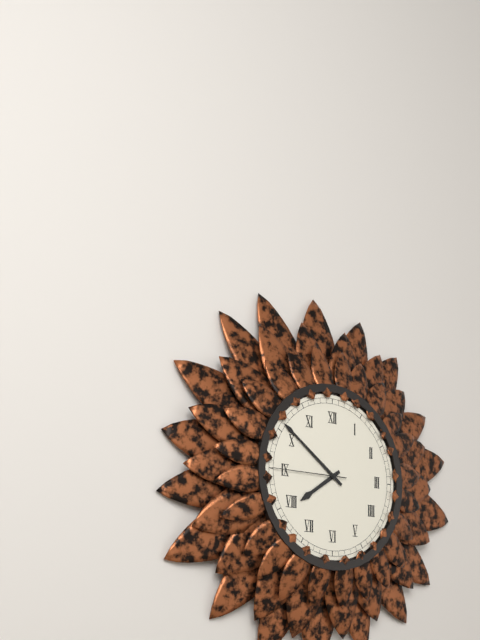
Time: 7h51m45s
